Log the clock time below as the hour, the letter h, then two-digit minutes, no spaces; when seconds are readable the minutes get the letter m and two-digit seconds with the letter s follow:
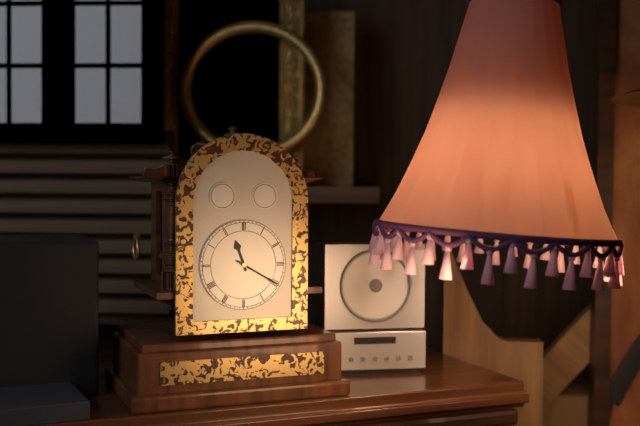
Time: 11h20
